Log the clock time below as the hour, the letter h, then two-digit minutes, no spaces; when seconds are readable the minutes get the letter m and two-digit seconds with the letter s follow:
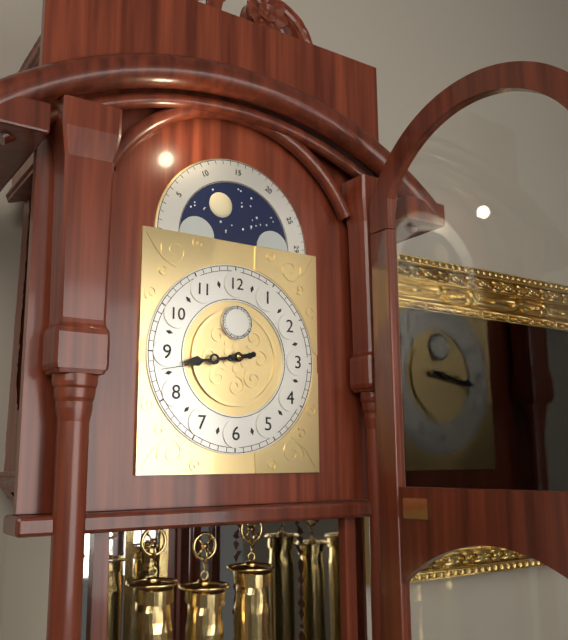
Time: 8h43
